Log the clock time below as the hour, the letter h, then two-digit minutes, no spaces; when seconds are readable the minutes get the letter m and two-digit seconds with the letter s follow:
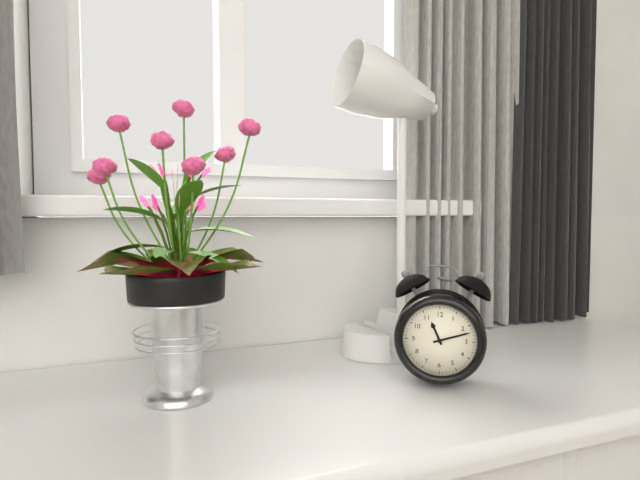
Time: 11h12
